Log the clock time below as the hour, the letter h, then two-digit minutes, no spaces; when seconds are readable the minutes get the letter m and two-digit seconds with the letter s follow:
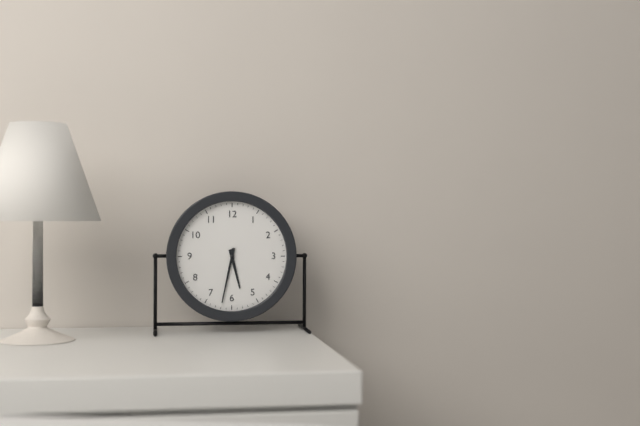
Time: 5h32
